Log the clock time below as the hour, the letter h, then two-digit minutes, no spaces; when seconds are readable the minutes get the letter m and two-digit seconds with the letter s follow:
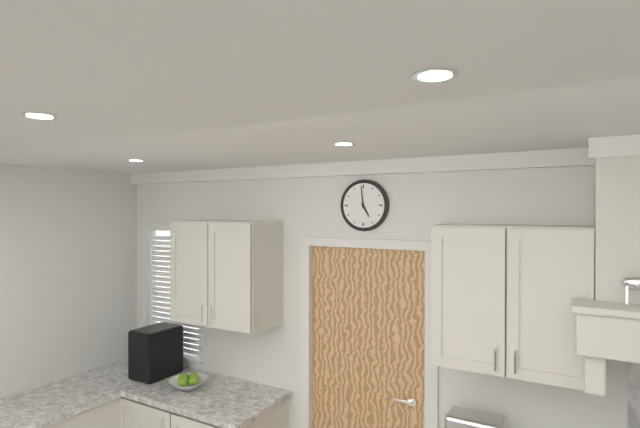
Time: 4h59
